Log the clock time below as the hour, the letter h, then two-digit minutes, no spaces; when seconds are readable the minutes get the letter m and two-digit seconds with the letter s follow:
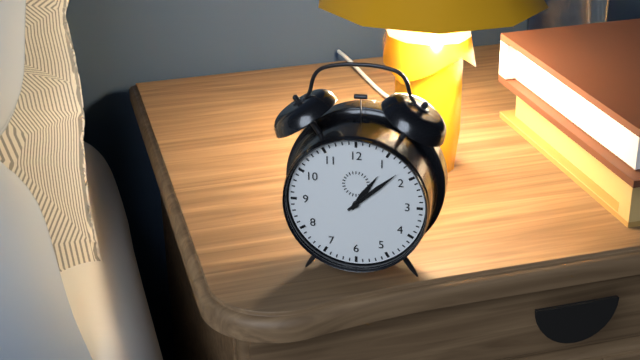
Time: 1h08
